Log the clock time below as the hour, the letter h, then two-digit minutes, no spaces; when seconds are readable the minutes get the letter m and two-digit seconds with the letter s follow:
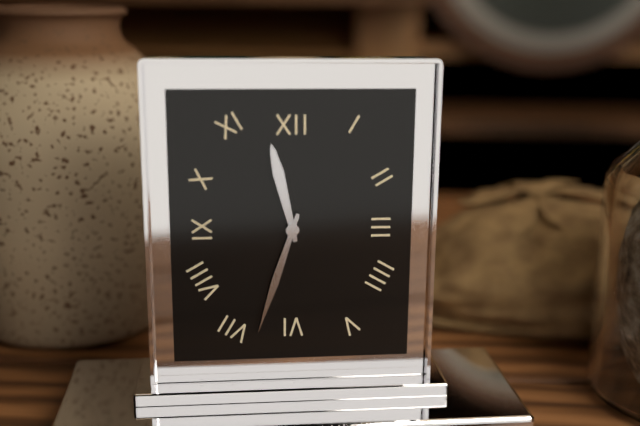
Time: 11h33
